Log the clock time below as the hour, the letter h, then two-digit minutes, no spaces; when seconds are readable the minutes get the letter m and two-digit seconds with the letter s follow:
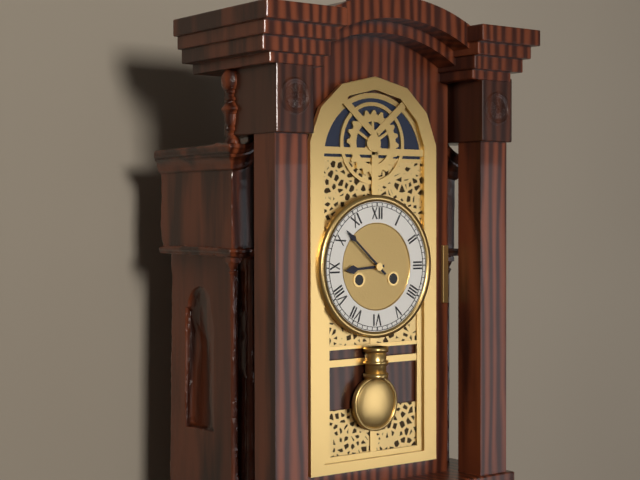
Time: 8h52
